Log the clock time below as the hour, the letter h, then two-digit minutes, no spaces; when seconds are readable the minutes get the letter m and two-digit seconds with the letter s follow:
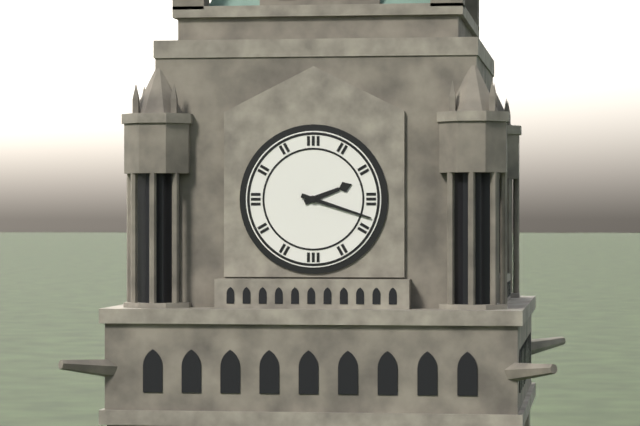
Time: 2h18
